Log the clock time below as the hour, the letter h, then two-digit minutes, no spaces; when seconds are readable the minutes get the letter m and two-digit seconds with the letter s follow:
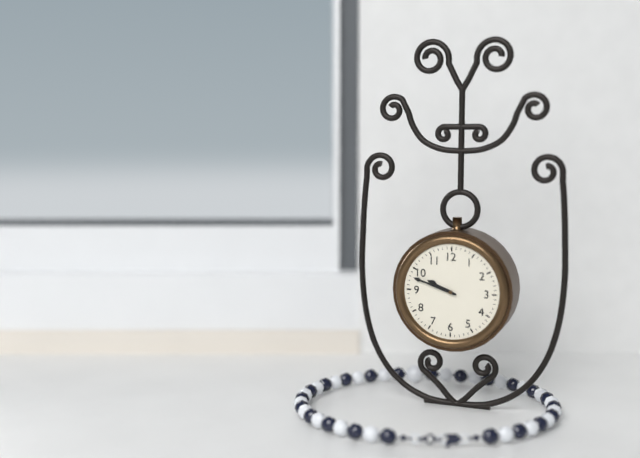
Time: 9h48
